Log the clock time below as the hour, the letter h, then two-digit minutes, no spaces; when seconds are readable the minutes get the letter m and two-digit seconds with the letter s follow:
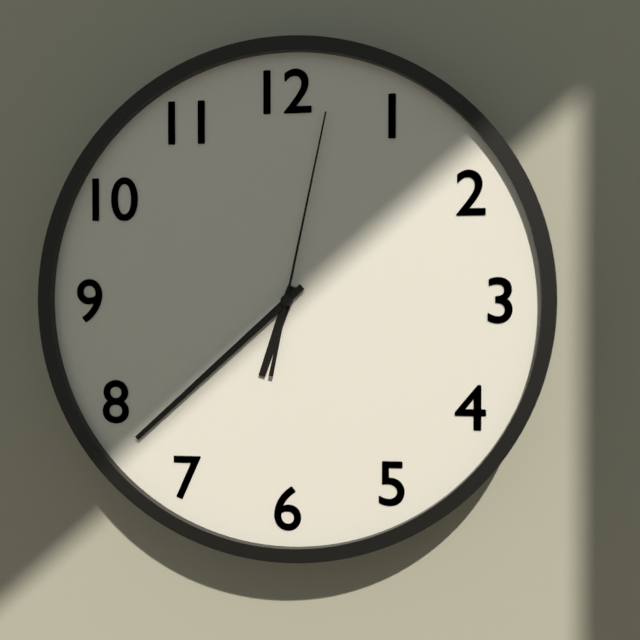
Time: 6h38m02s
